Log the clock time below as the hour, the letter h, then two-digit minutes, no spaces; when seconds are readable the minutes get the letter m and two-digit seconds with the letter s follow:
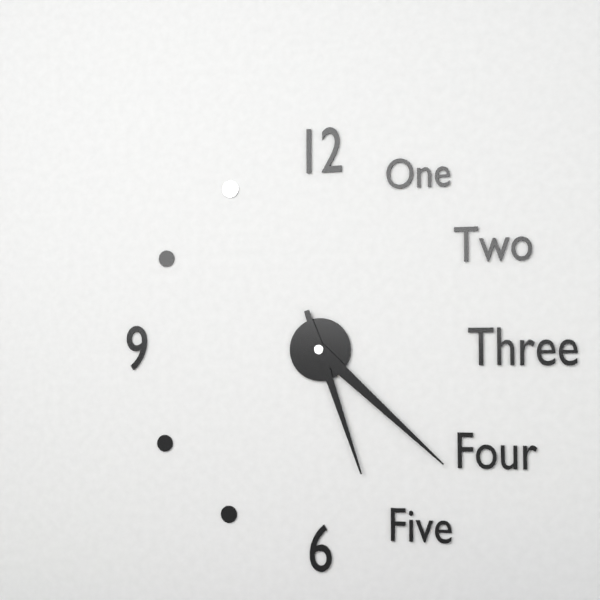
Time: 5h22
